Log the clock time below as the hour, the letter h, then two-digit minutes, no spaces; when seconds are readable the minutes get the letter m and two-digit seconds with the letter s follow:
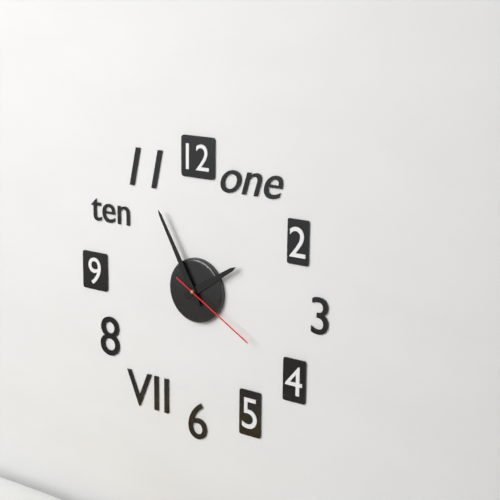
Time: 1h55m20s
